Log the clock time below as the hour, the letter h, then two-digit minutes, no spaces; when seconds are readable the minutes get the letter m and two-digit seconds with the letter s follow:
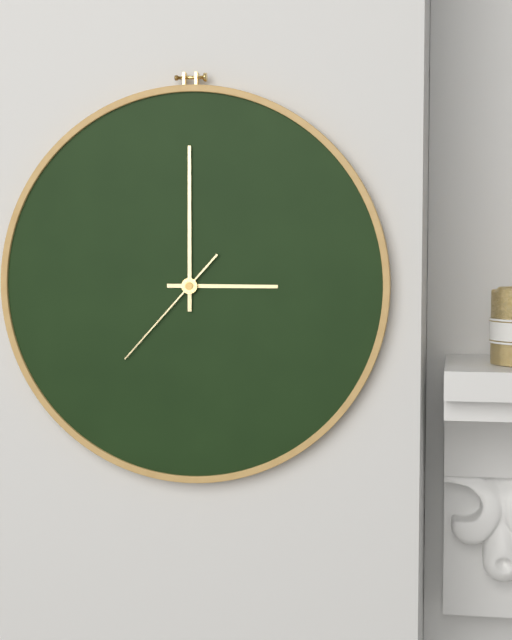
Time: 3h00m37s
